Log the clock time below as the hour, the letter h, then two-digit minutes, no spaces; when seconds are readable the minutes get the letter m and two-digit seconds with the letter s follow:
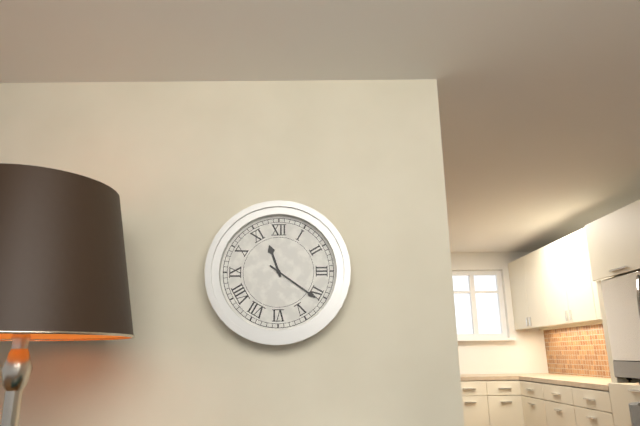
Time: 11h21
